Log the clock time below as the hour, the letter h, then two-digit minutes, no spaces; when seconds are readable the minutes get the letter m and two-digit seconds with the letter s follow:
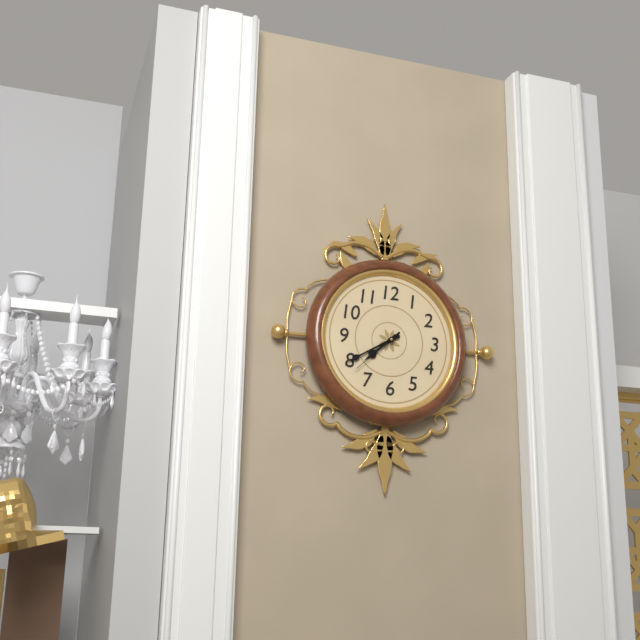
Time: 7h40m38s
